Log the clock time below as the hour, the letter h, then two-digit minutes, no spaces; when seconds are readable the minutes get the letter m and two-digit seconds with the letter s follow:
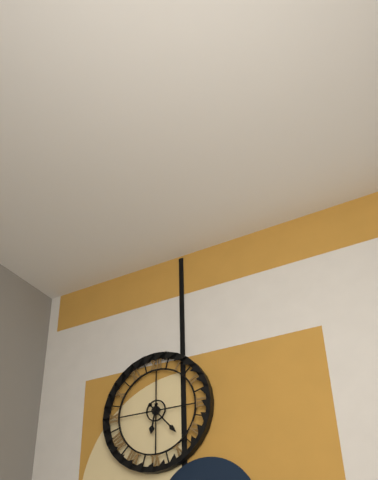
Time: 6h23
